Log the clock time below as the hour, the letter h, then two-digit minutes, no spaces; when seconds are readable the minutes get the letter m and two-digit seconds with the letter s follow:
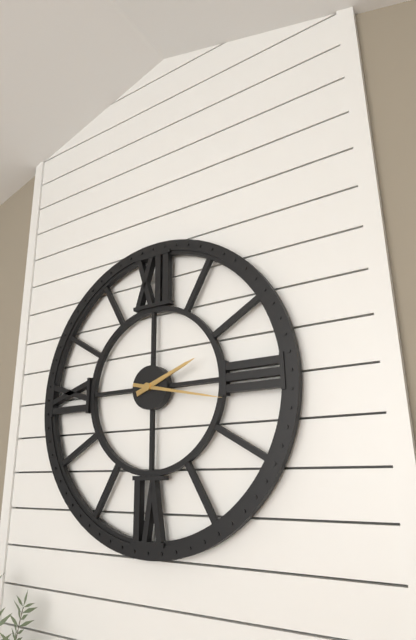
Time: 2h17
